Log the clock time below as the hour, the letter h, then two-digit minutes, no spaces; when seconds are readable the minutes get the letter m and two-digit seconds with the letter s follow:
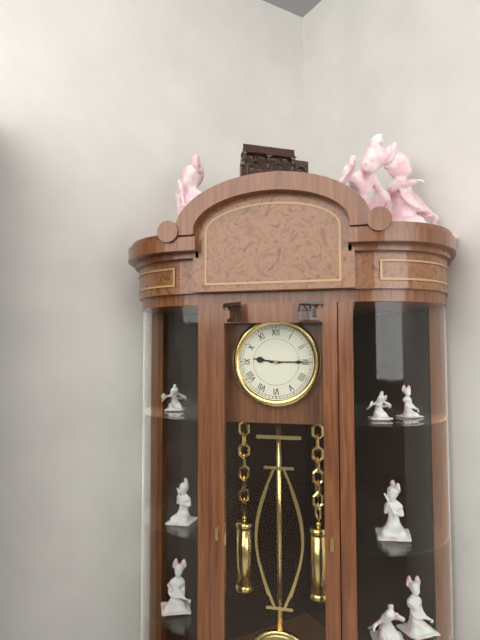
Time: 9h15
